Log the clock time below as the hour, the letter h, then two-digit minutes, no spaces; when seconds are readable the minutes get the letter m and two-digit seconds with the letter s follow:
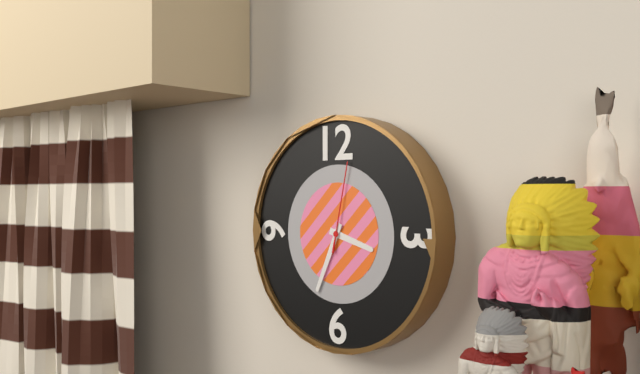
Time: 3h34m02s
